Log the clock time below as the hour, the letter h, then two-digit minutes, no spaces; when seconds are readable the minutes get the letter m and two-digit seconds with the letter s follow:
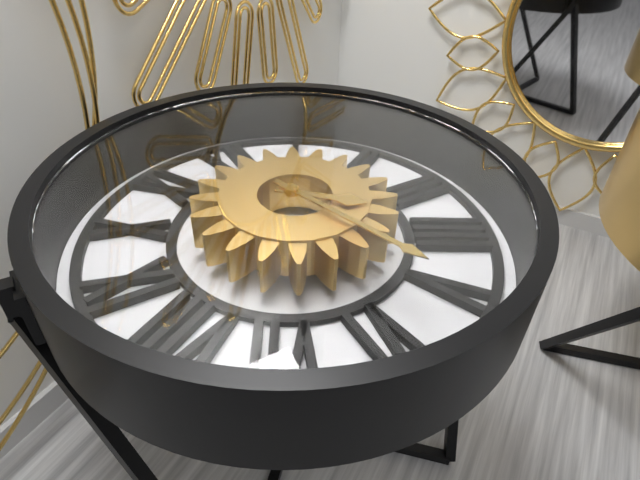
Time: 4h27
